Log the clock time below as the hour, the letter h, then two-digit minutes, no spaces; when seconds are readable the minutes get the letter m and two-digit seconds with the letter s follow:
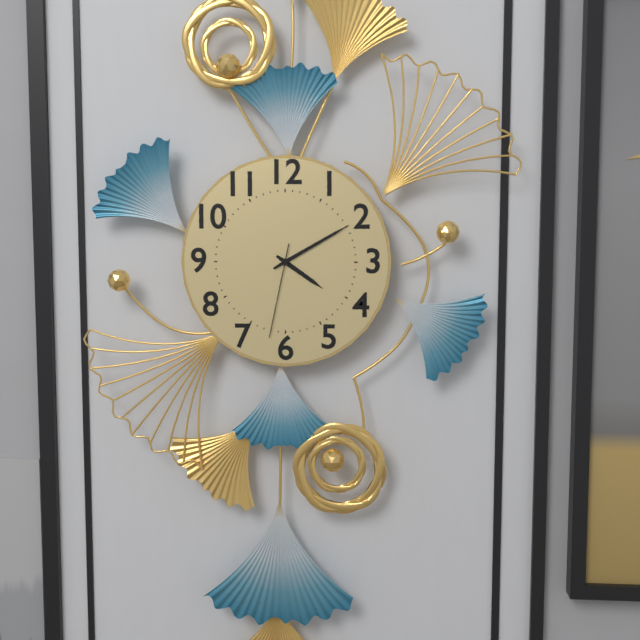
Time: 4h10m32s
